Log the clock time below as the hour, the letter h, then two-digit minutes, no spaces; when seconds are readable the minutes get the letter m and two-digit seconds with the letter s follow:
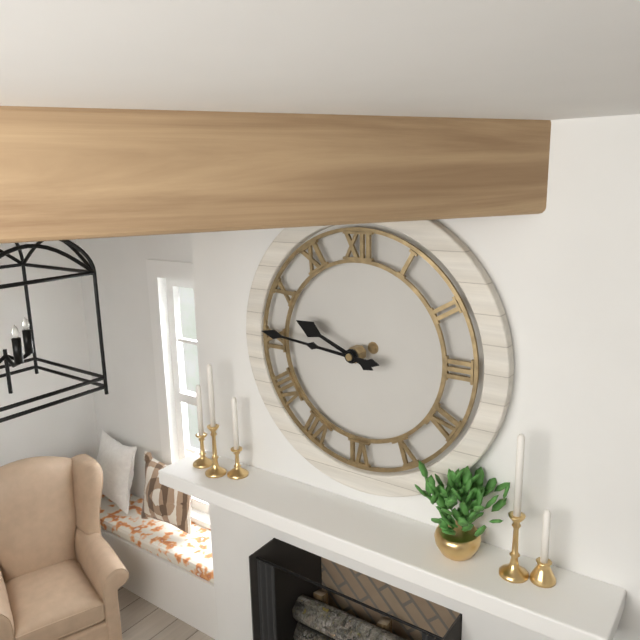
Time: 9h46
